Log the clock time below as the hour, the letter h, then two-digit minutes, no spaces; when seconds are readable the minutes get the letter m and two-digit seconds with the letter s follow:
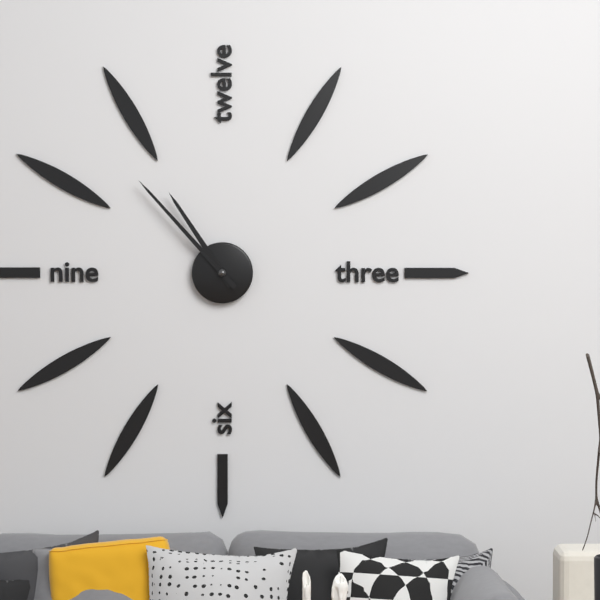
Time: 10h53
